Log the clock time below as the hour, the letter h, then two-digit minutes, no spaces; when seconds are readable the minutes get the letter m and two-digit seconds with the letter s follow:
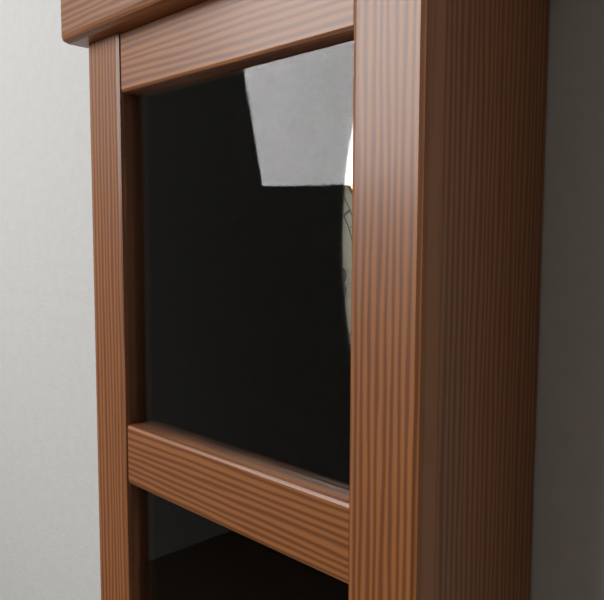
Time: 12h10
